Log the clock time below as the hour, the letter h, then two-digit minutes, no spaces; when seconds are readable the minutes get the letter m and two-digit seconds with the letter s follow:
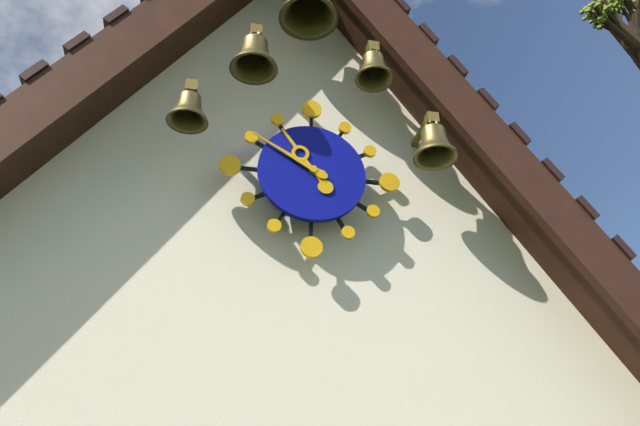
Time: 10h50
